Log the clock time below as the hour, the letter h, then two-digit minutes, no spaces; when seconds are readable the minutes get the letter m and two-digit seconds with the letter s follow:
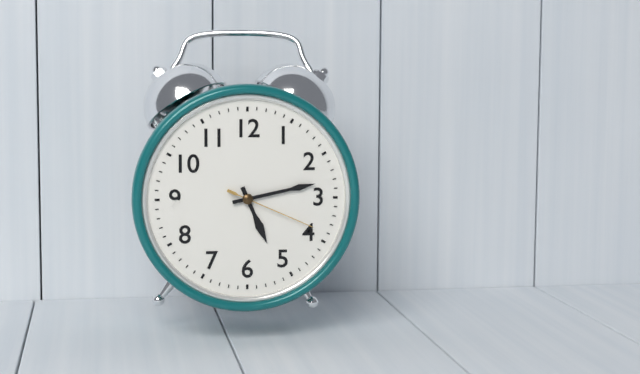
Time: 5h13m19s
